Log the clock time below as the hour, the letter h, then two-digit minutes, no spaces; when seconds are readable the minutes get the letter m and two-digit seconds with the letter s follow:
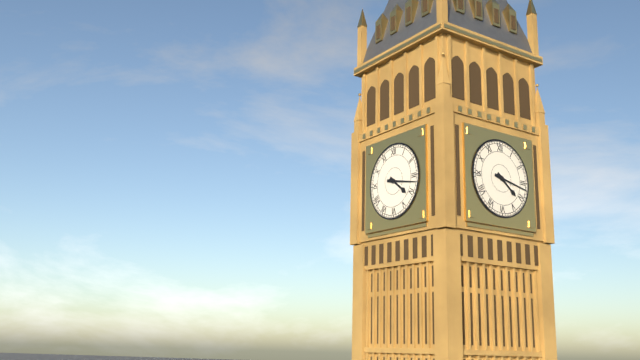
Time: 4h17
